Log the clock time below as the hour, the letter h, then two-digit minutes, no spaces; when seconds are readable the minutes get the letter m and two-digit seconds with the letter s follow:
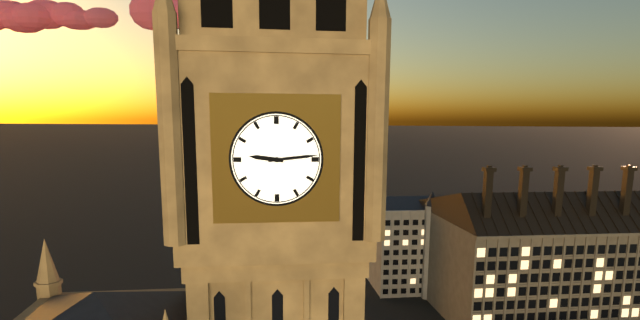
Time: 9h14
